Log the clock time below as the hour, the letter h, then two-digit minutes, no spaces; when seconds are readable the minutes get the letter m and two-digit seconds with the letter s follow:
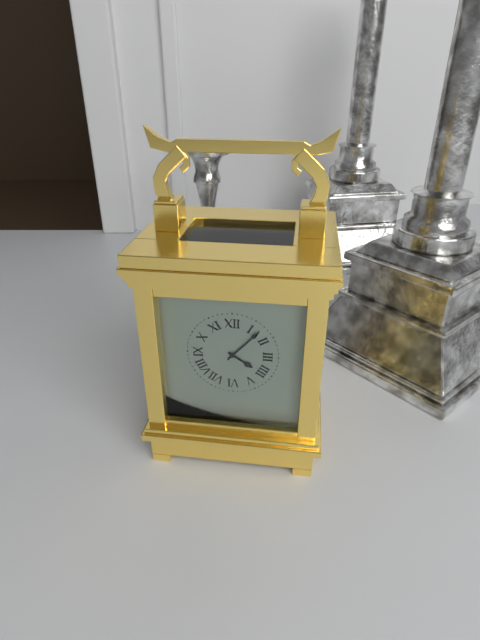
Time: 4h07
